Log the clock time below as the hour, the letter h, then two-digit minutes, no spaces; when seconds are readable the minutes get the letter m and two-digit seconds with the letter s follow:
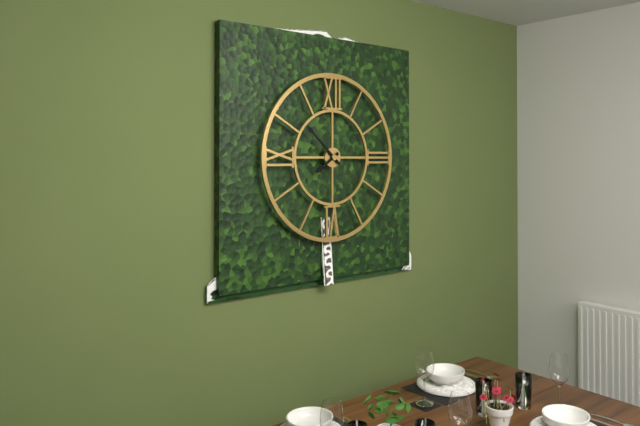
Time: 7h52
